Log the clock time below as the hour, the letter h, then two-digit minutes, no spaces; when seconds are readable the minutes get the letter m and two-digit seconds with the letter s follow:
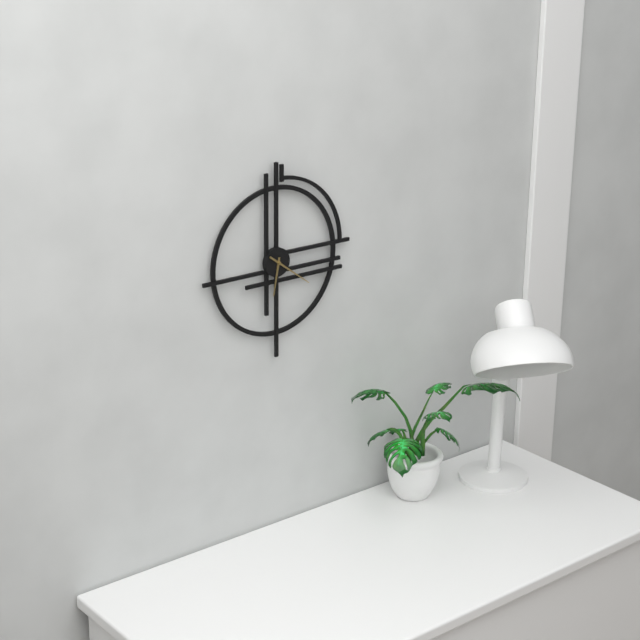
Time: 6h21
